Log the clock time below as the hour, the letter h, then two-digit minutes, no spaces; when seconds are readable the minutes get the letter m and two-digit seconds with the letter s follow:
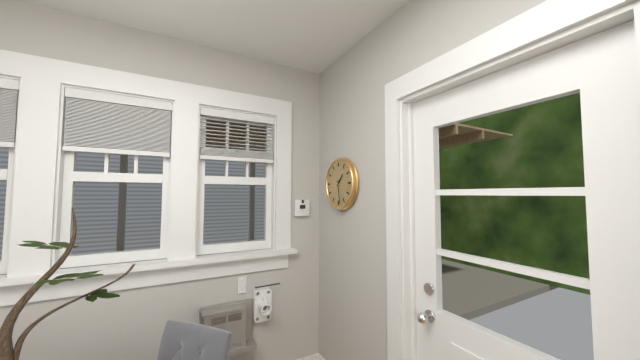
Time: 1h28
